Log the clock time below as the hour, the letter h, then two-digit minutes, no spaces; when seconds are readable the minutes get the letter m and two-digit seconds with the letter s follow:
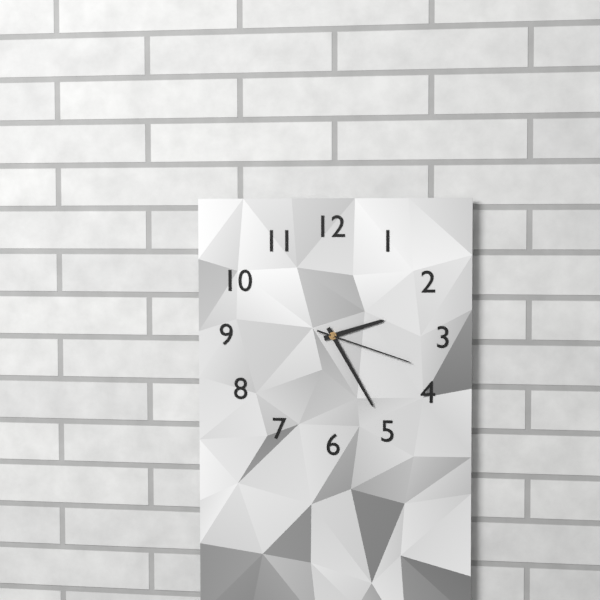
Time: 2h25m18s
